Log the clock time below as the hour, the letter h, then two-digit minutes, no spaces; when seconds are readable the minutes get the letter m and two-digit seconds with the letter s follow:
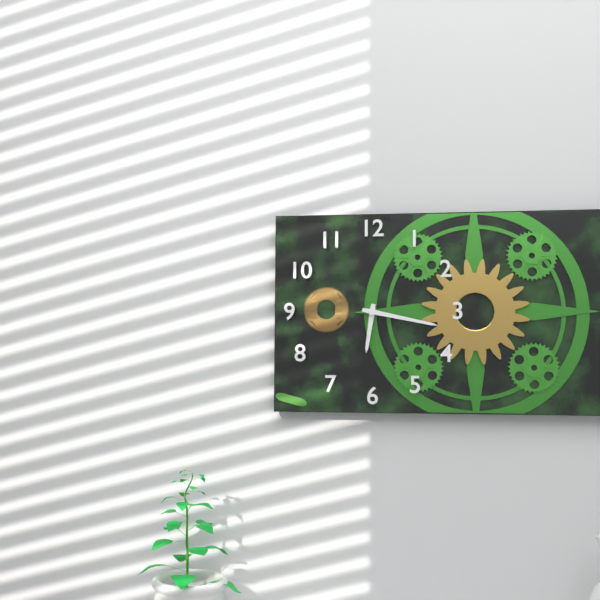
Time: 6h17
